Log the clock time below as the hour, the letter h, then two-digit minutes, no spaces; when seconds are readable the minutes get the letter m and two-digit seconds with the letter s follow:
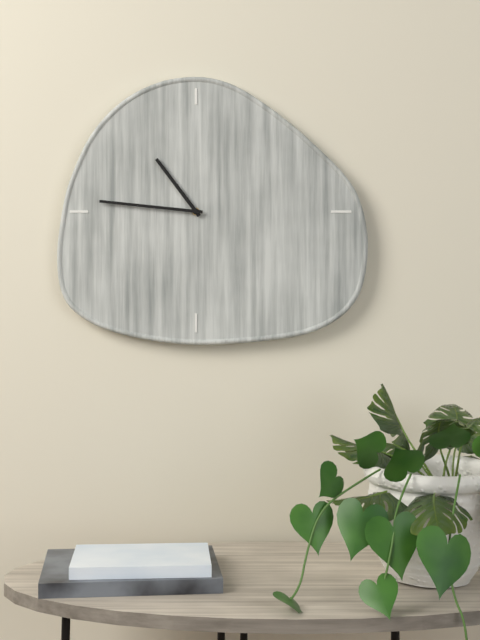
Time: 10h46
